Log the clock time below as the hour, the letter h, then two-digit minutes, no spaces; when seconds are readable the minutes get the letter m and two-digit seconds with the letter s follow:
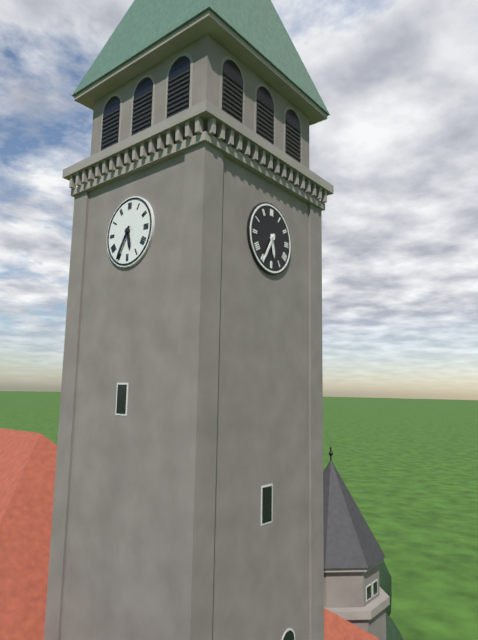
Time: 5h35
